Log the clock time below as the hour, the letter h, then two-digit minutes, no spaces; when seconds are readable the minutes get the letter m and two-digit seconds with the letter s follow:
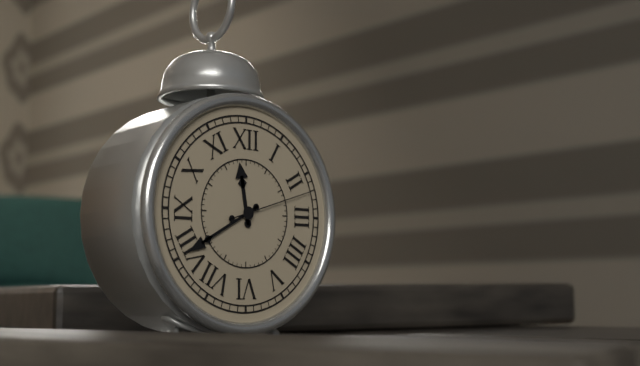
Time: 11h40m12s
